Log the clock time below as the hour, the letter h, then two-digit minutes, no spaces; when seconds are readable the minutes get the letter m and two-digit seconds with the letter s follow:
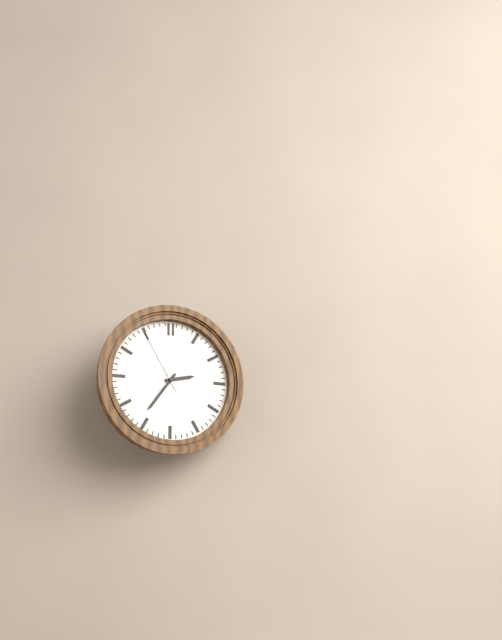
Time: 2h36m55s
